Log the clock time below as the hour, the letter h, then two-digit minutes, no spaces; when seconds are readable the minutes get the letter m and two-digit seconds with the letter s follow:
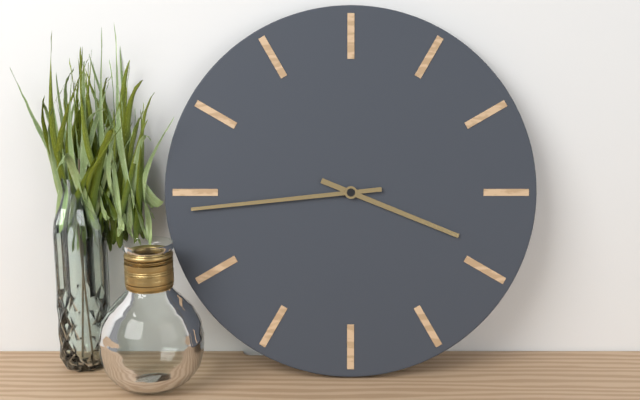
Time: 3h44
